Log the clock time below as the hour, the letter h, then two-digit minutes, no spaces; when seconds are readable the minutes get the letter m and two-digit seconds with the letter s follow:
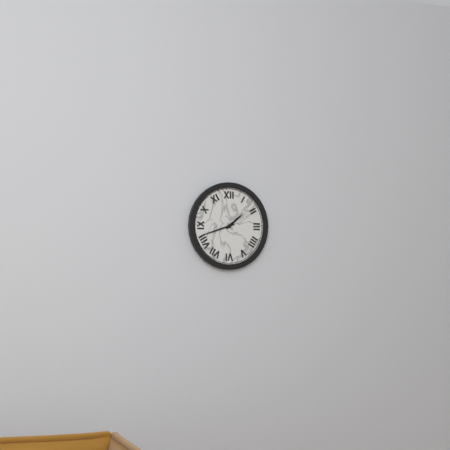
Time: 1h42
